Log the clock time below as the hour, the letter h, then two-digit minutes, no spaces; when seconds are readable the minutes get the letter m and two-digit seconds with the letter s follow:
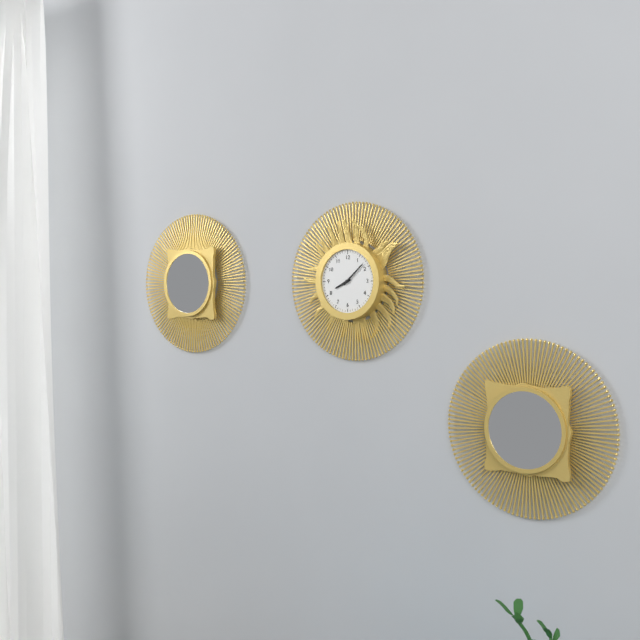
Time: 8h08
